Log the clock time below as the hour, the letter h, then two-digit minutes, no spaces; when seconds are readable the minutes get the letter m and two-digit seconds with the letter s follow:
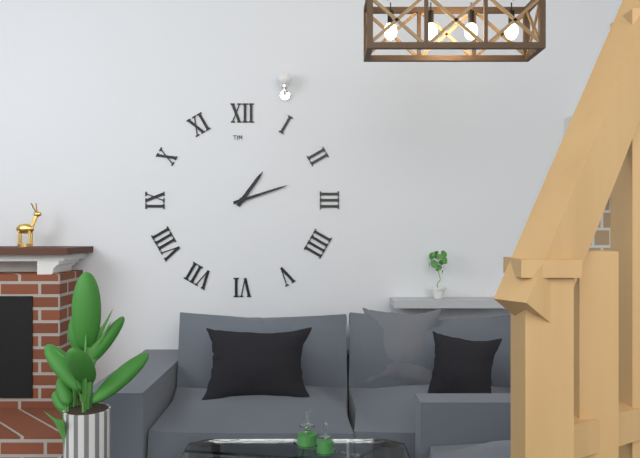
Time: 1h12
